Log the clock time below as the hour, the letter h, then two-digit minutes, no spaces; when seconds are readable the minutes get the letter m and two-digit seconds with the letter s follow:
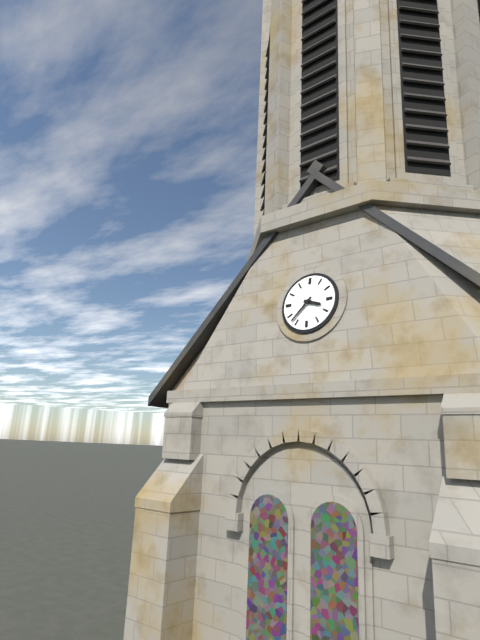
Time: 3h37
